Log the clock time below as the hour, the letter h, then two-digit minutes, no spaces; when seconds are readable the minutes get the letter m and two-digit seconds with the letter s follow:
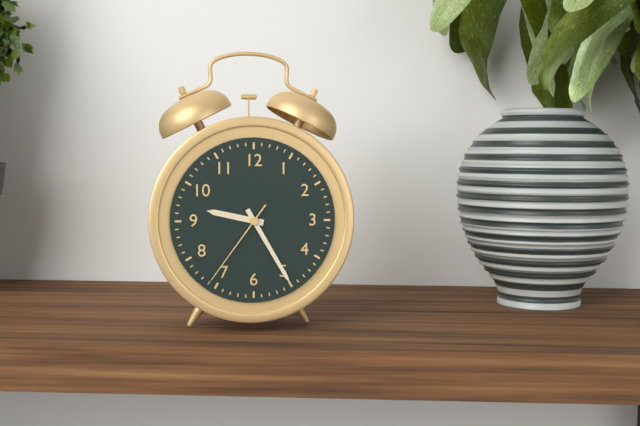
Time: 9h25m36s
